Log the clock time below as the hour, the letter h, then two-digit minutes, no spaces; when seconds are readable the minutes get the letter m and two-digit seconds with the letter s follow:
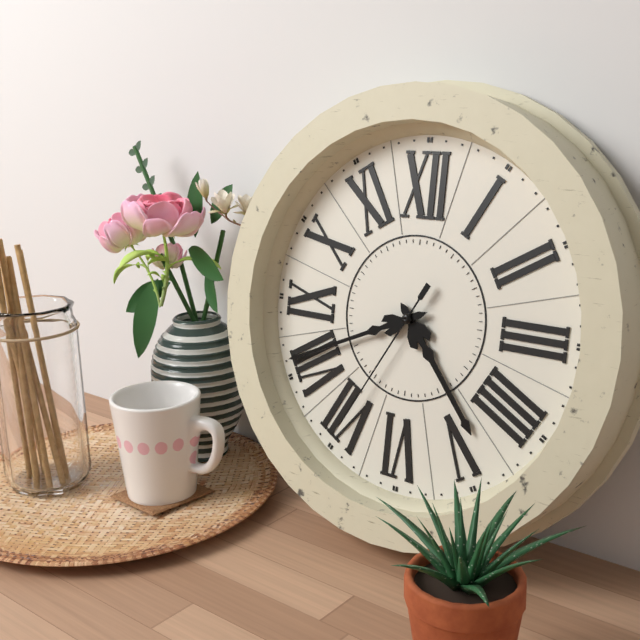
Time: 4h41m35s
